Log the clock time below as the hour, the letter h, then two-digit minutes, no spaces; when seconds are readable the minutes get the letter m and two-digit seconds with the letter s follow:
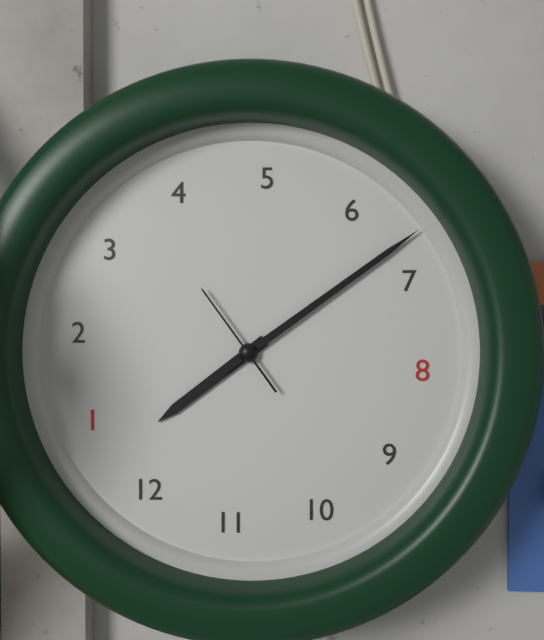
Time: 12h33m18s
